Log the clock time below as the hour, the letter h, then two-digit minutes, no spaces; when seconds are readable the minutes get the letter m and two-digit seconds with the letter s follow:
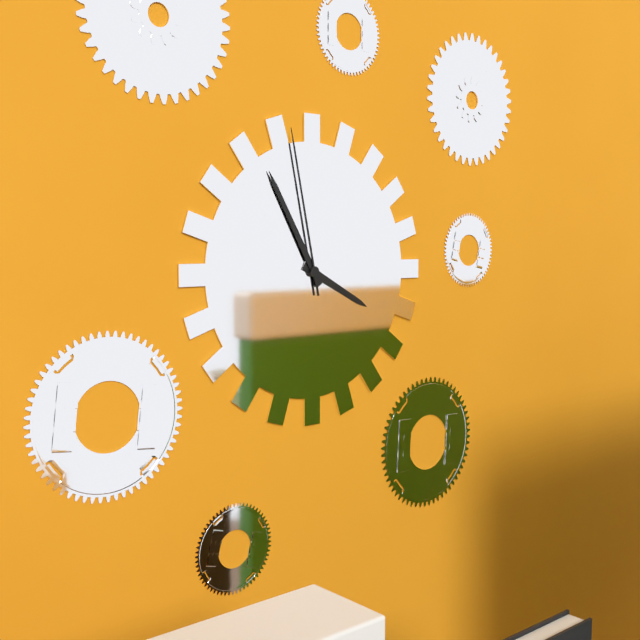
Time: 3h55m58s
